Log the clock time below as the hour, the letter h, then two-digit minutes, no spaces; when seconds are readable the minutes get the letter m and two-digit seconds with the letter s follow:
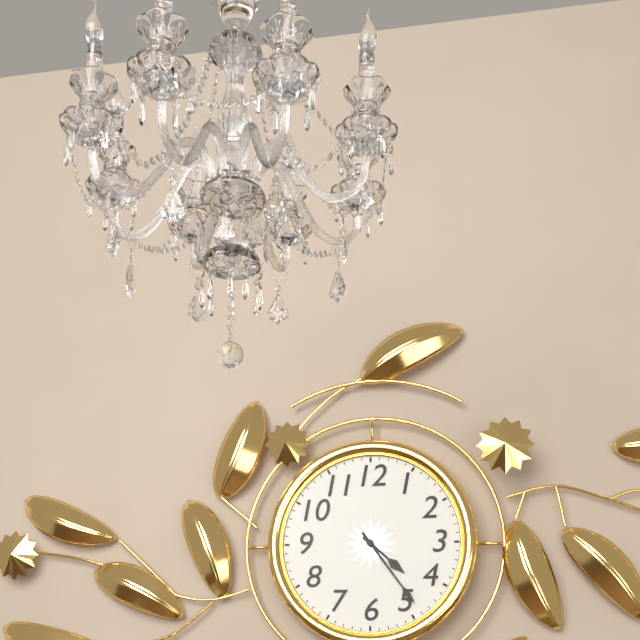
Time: 4h24
